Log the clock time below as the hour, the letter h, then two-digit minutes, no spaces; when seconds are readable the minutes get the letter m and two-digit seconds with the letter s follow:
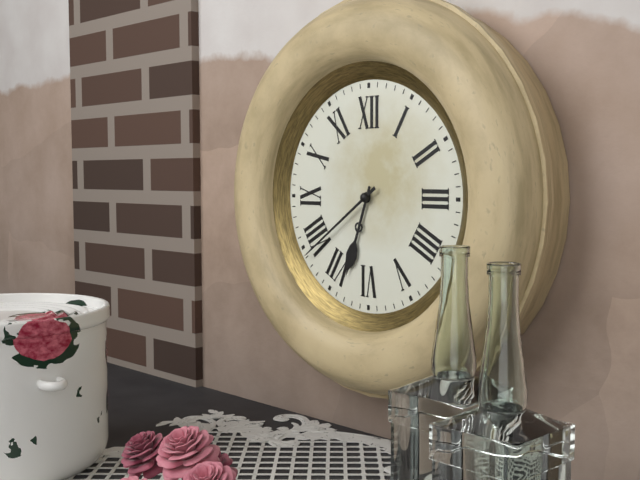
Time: 6h39
